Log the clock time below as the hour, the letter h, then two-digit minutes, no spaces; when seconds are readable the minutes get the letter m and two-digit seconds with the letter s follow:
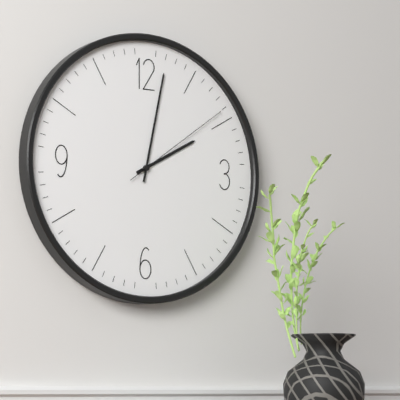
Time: 2h02m09s
